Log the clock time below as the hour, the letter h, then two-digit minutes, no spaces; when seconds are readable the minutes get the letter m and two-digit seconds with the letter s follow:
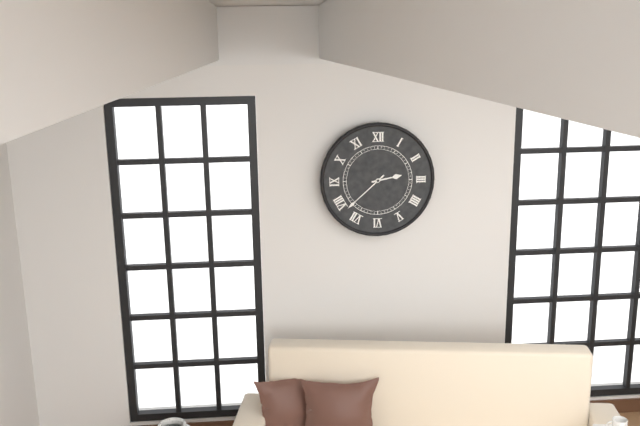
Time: 2h38
